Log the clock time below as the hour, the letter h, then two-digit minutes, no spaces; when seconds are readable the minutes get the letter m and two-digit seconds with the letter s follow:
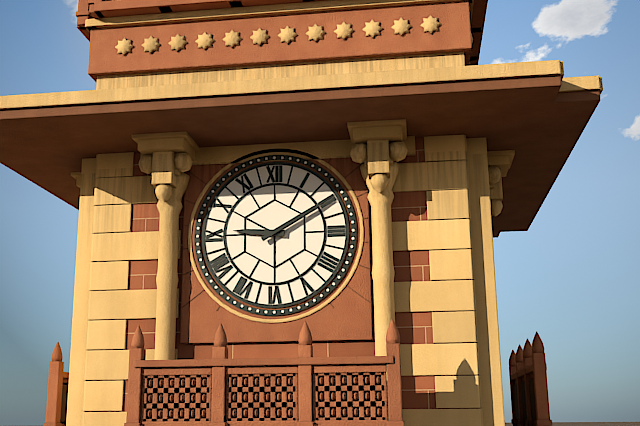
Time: 9h10
